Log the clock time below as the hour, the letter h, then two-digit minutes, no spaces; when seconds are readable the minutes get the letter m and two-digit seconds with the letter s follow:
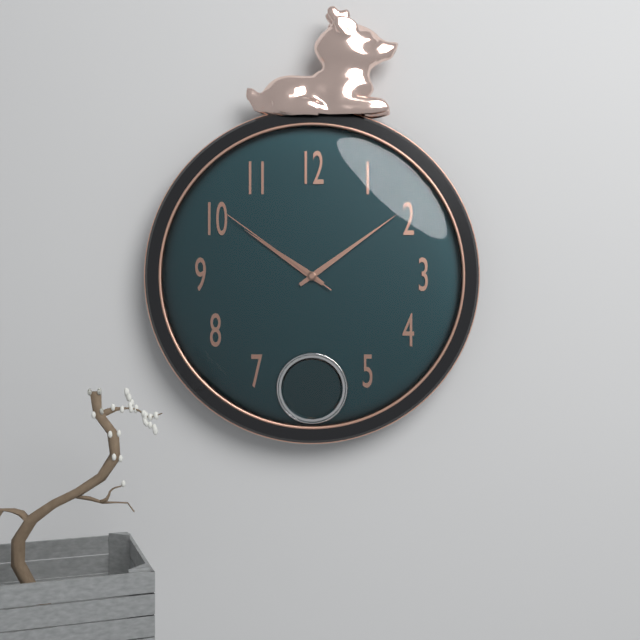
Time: 10h09m51s
